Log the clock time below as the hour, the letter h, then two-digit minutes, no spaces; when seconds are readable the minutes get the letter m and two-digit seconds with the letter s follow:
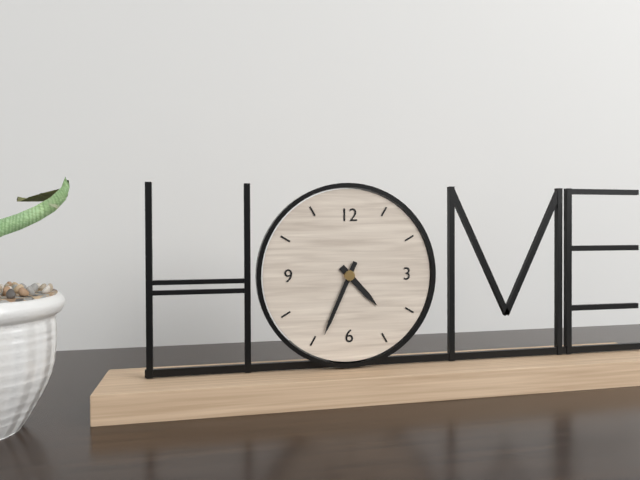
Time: 4h34
